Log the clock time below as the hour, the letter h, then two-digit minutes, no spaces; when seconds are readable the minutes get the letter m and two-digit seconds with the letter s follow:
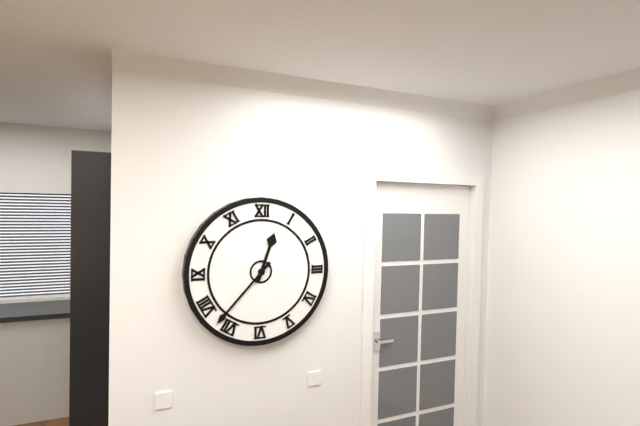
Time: 12h37
